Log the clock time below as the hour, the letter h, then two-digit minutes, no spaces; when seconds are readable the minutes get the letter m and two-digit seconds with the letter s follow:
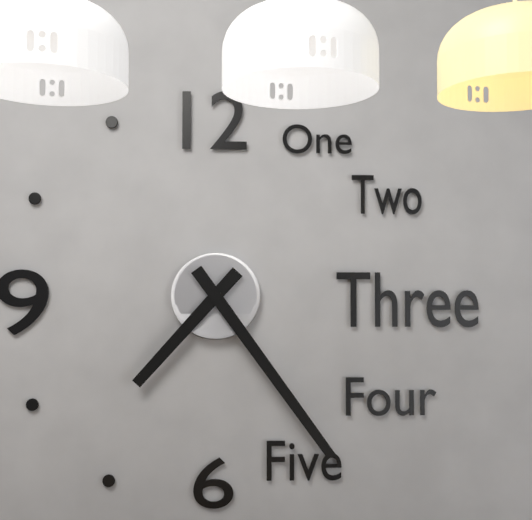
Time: 7h24
